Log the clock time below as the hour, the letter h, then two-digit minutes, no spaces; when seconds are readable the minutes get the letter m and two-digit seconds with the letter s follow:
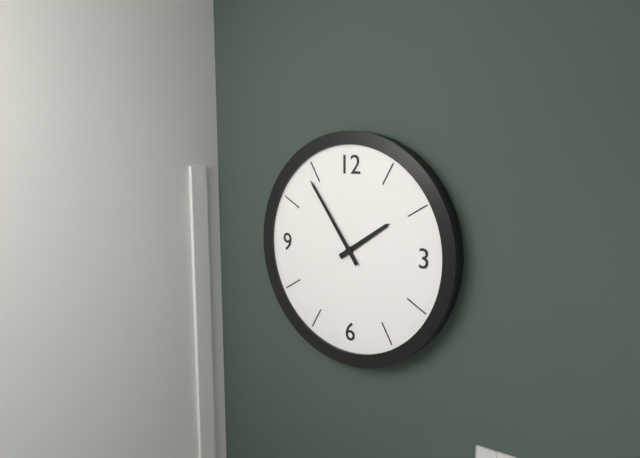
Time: 1h54
